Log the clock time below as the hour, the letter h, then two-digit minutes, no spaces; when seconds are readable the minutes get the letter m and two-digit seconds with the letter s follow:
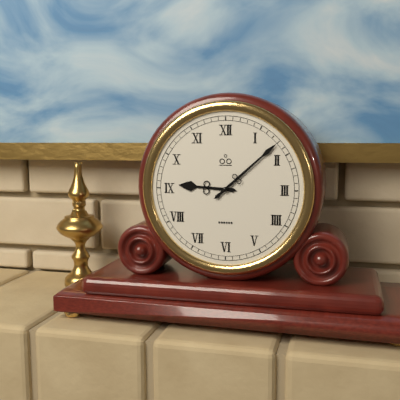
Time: 9h08
